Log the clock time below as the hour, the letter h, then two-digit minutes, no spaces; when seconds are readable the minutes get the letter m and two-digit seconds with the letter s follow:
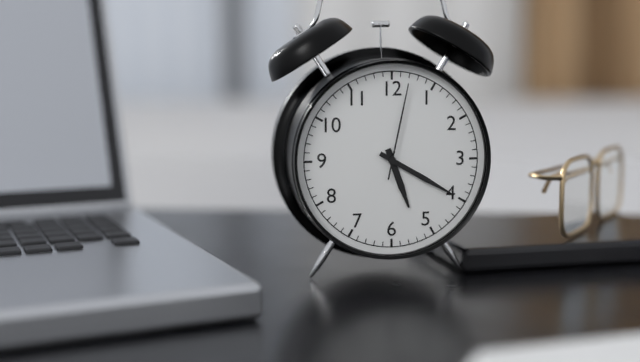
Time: 5h20m02s
